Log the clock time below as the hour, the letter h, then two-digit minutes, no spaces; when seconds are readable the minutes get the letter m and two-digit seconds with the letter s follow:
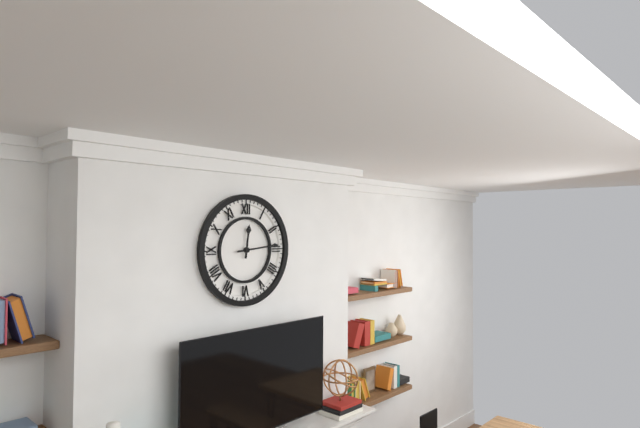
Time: 12h14
